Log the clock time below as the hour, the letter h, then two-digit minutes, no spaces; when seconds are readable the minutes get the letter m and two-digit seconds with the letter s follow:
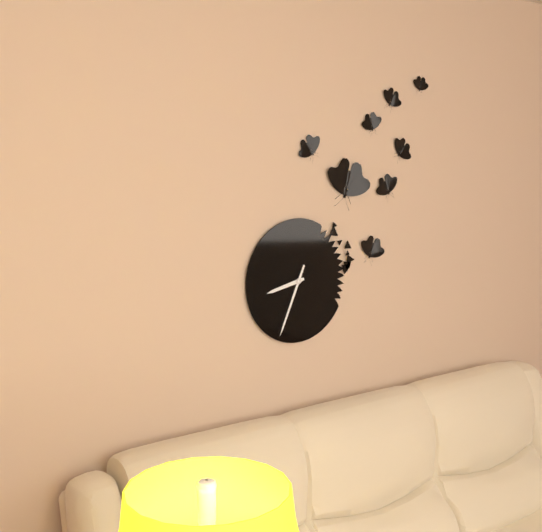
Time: 8h34
